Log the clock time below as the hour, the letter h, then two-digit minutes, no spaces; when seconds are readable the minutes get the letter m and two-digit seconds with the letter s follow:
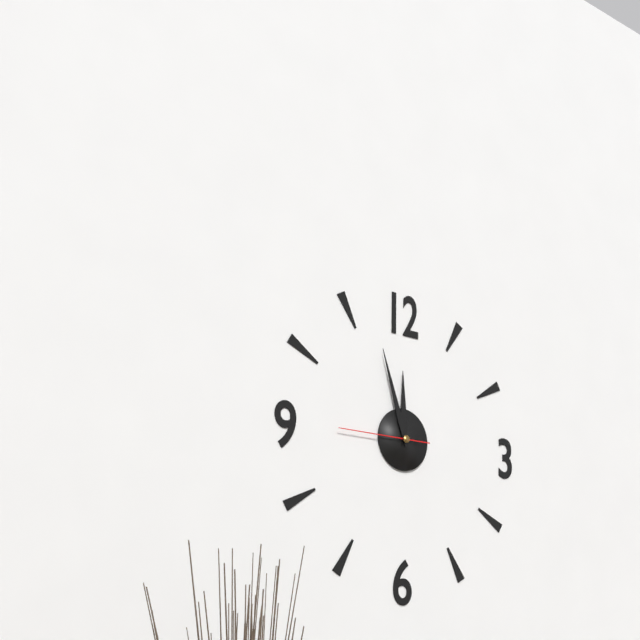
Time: 11h57m45s
